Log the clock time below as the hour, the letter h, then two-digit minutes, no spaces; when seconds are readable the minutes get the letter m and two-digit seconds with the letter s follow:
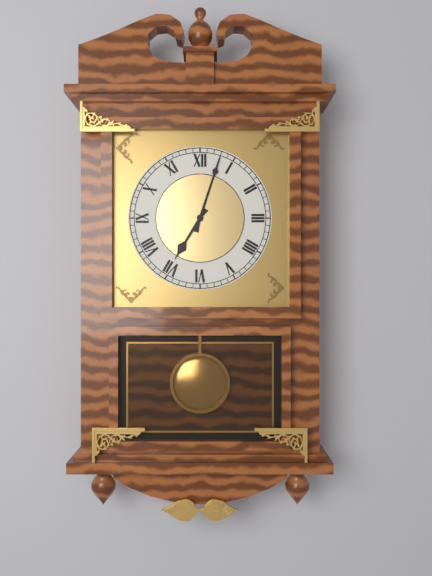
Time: 7h03
